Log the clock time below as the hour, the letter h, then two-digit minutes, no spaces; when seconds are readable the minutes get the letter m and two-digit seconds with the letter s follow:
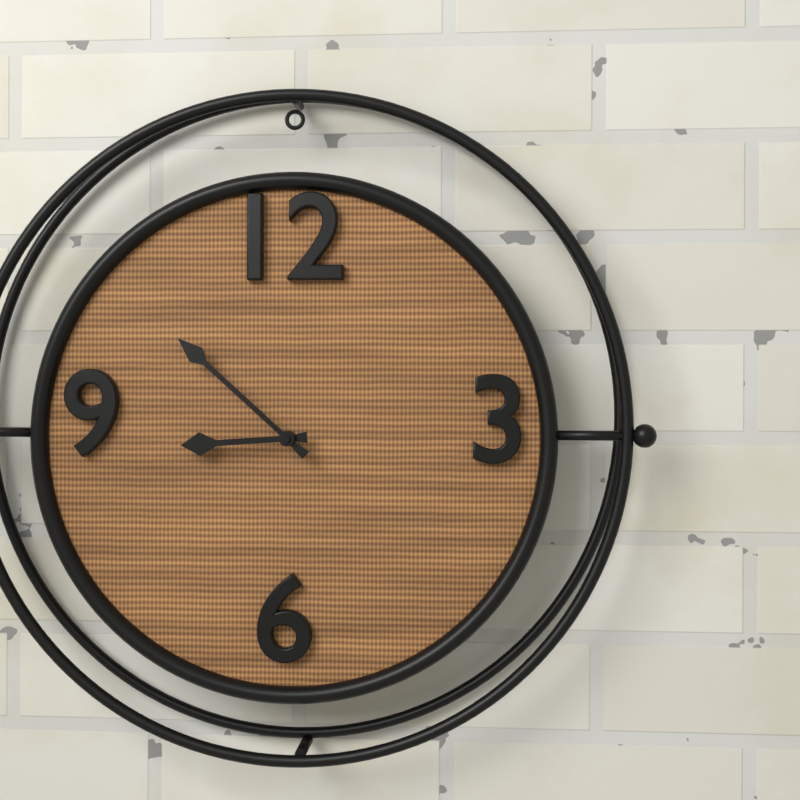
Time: 8h52
